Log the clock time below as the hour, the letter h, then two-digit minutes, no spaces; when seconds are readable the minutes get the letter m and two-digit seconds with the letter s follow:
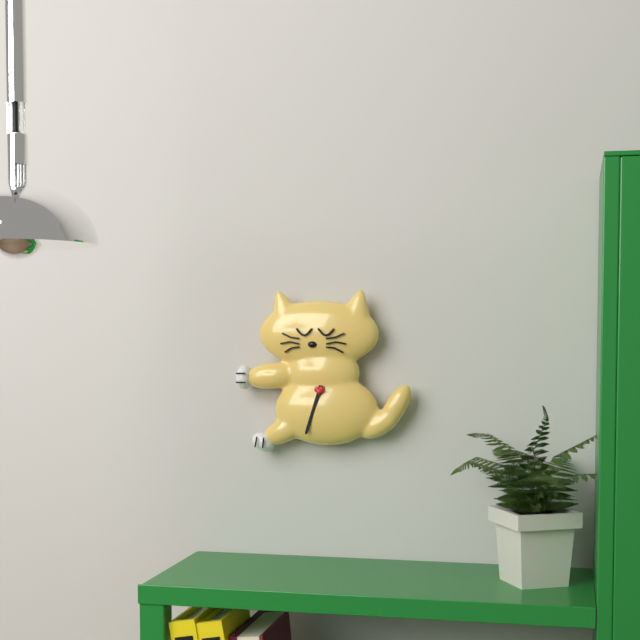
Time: 6h33
